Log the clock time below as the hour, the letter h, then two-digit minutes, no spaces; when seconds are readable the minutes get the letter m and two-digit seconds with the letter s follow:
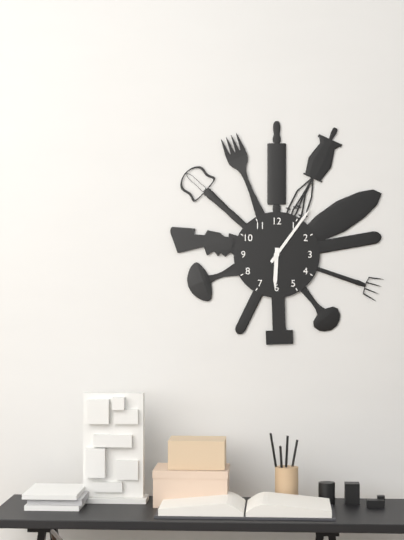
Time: 6h06
